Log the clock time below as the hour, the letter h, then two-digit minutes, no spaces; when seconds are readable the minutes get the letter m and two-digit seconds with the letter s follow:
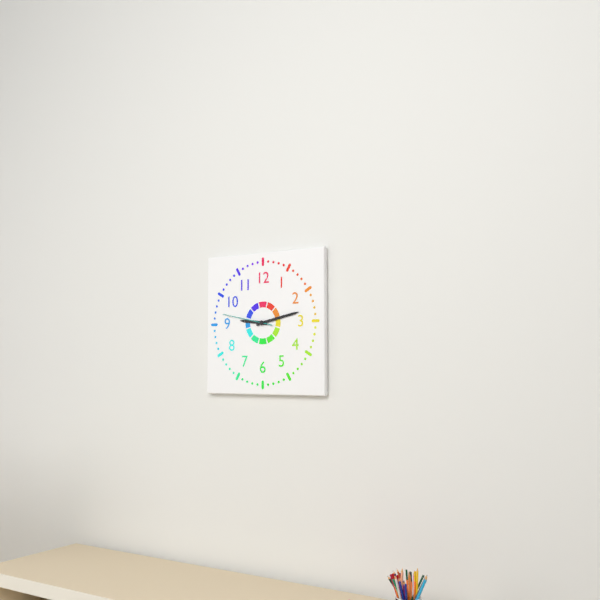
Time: 9h13m47s
